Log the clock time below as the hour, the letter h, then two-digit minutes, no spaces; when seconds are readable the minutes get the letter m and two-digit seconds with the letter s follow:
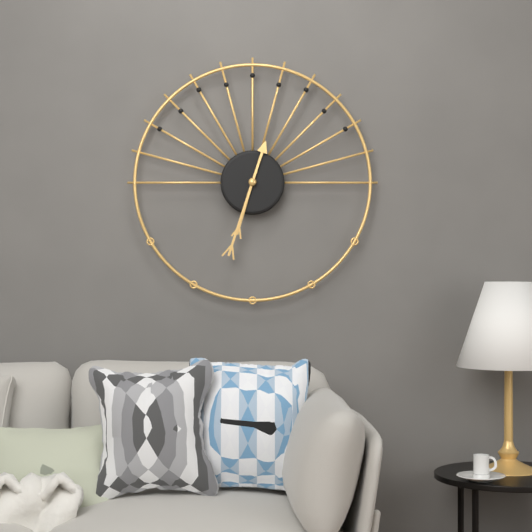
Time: 6h33
